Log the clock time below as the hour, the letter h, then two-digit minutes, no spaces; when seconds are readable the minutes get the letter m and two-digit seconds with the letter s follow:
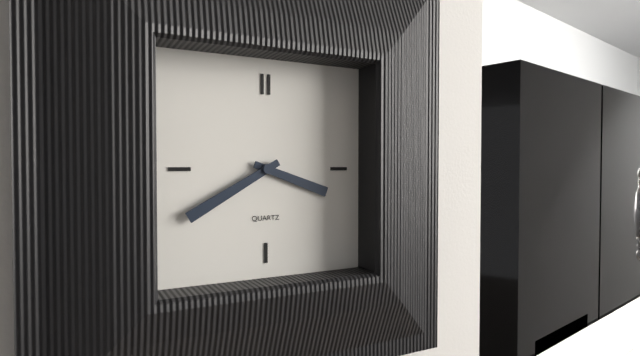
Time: 3h40
